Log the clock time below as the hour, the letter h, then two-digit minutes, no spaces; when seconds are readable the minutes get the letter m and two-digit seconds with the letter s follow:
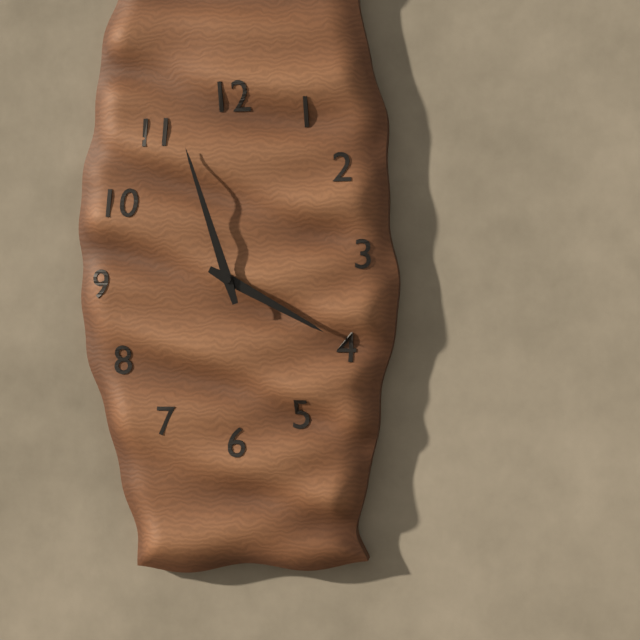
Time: 3h57
